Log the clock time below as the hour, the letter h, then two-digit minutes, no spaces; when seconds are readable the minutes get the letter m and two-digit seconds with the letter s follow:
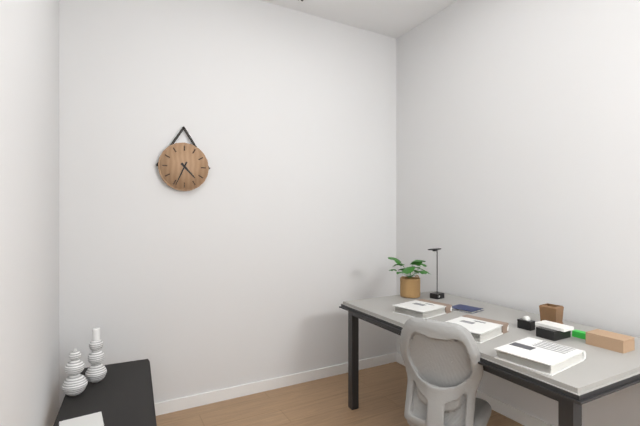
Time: 4h34
